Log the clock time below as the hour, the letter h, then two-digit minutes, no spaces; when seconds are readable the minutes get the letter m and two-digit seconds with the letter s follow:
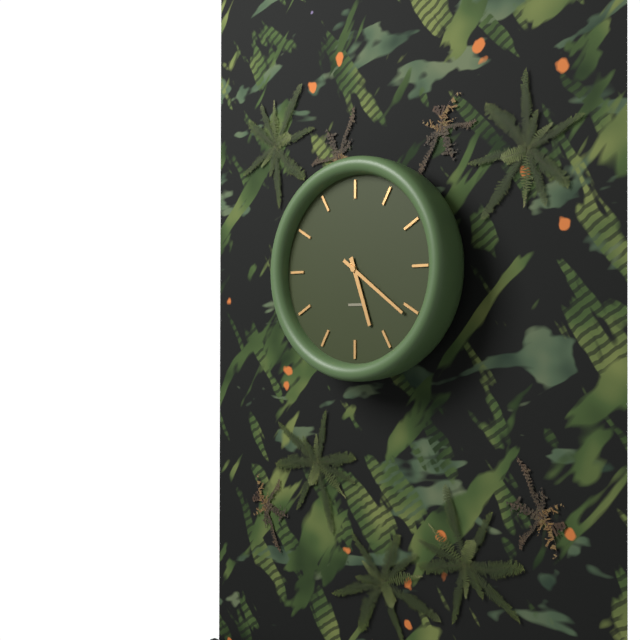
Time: 5h21
